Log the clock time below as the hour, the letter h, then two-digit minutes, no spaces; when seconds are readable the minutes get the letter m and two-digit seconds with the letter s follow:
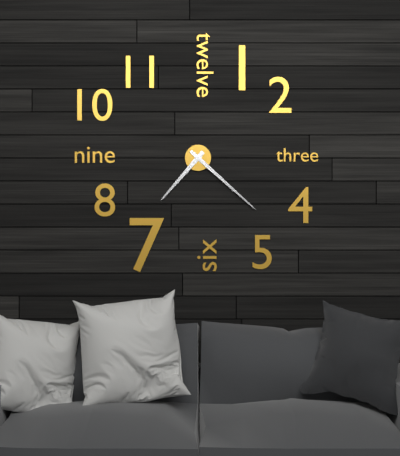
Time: 7h22
